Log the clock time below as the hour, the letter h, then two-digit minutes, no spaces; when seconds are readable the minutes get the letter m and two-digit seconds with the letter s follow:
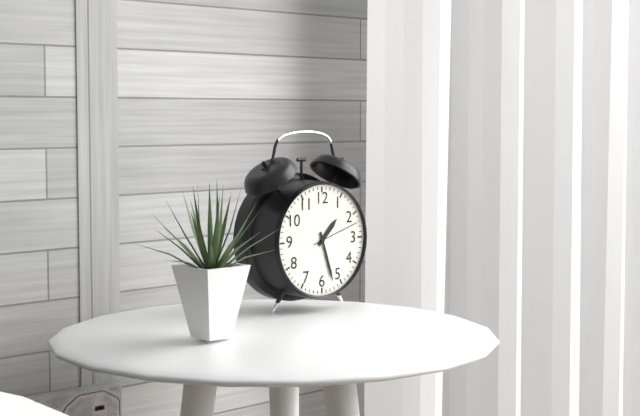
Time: 1h27
